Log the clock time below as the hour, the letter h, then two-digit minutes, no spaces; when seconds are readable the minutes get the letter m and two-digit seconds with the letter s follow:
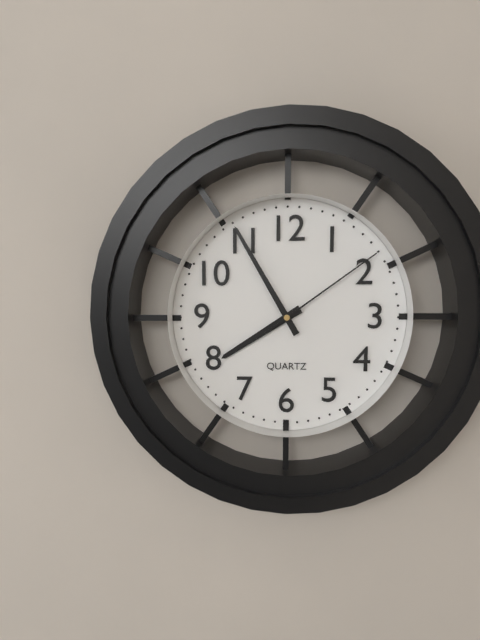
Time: 7h55m09s
